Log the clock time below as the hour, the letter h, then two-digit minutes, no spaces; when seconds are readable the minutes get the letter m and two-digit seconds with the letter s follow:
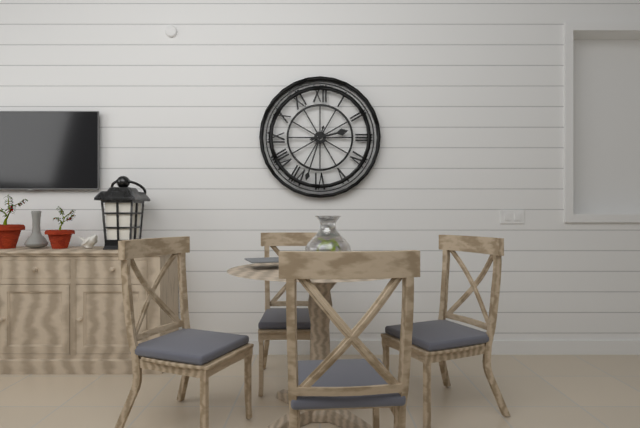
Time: 2h33
